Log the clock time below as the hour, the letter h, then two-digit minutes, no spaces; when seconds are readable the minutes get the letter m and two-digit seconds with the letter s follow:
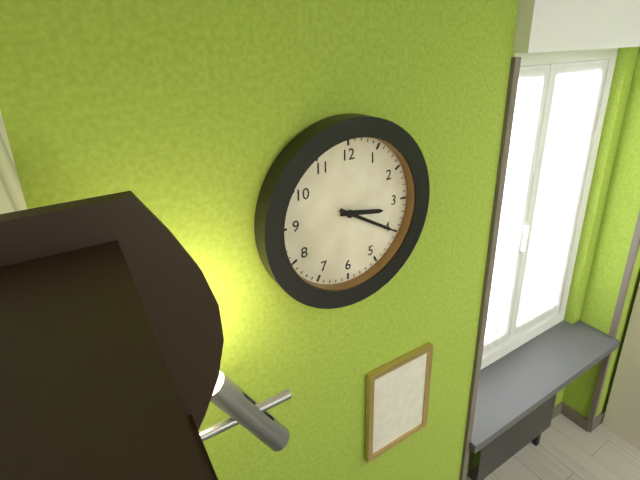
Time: 3h20
